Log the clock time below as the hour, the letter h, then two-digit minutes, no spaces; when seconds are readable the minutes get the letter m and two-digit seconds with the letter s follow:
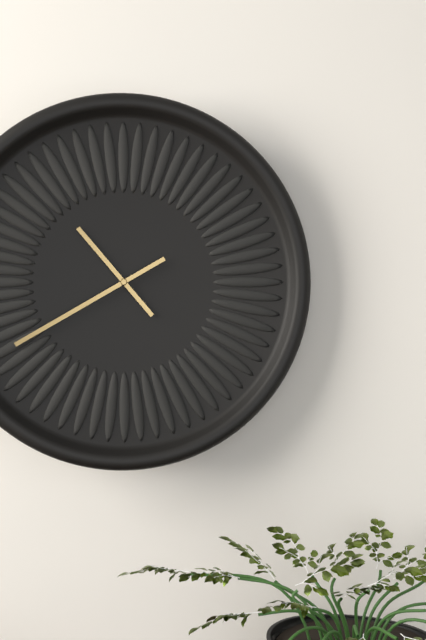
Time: 10h40
